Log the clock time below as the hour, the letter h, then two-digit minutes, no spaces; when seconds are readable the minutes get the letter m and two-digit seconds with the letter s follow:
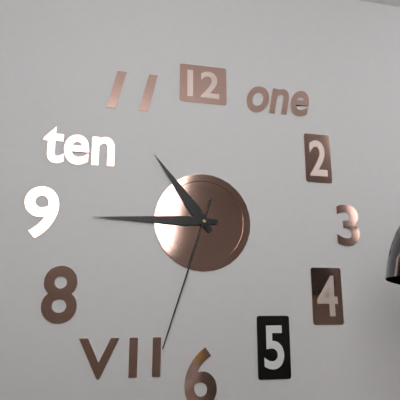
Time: 10h45m33s
